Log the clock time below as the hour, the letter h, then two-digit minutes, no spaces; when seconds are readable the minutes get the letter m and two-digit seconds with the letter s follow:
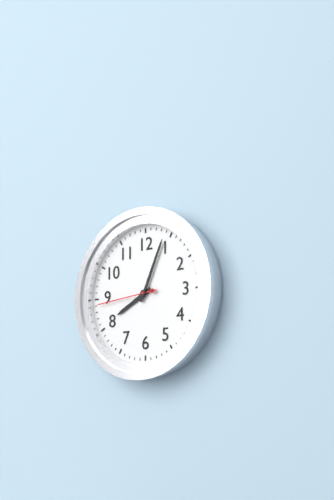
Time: 8h04m44s
